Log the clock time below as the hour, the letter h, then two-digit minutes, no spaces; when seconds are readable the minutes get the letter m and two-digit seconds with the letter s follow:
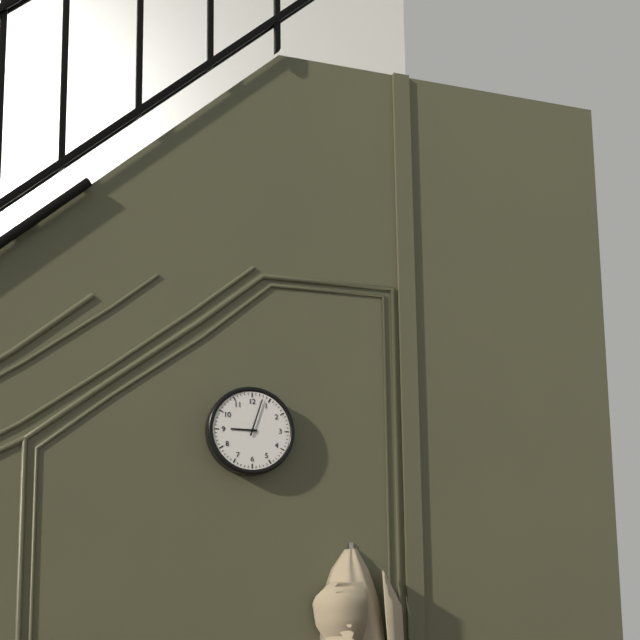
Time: 9h03
